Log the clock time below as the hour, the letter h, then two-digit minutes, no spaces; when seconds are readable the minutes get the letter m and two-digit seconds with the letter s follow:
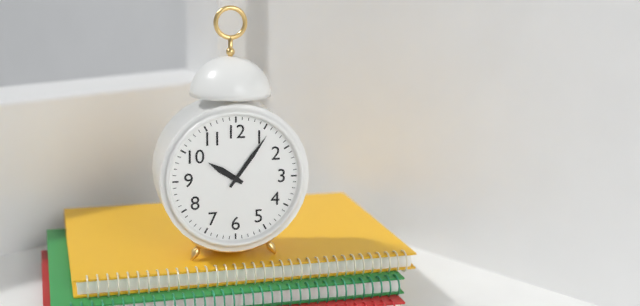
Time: 10h06
